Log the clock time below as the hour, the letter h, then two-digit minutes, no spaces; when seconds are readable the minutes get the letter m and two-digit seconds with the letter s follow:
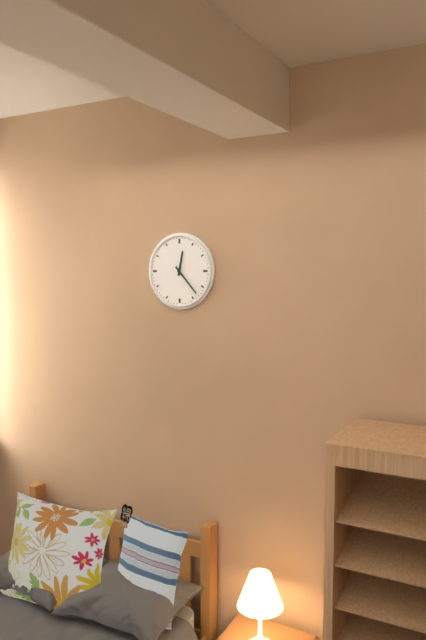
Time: 12h23
